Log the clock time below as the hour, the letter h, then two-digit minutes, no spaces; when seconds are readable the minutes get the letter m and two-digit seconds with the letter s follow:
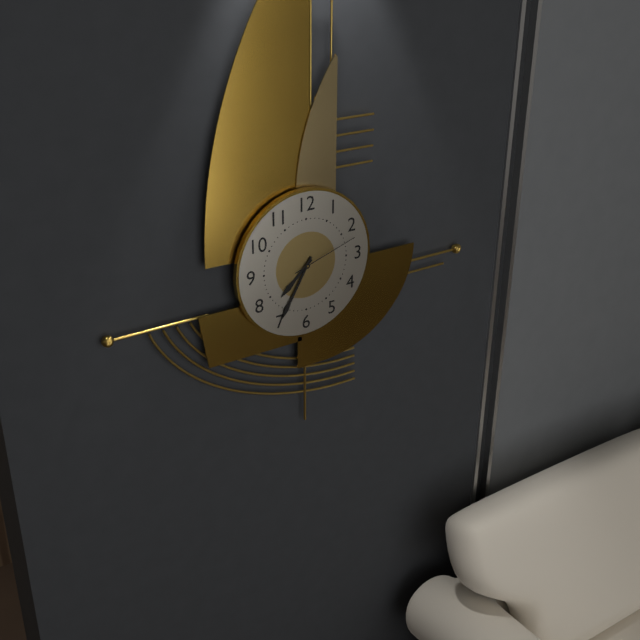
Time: 7h35m12s
